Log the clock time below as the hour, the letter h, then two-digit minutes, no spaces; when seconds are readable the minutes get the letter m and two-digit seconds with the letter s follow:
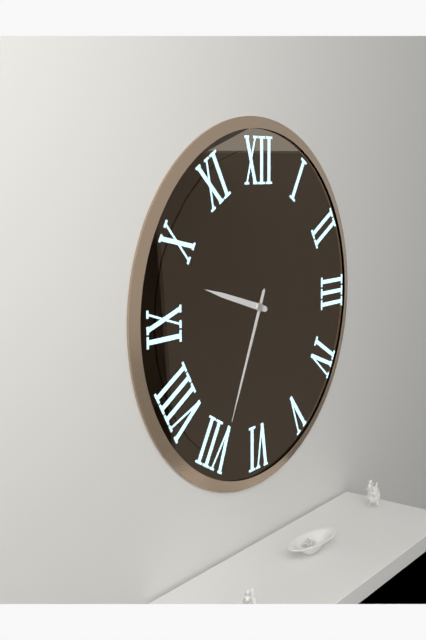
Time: 9h34
